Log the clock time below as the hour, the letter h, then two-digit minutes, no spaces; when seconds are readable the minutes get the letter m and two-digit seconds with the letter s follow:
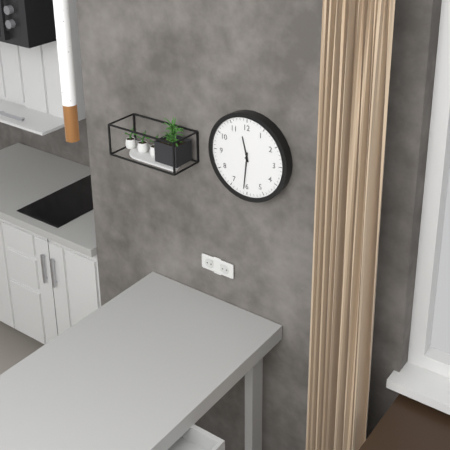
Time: 11h31
